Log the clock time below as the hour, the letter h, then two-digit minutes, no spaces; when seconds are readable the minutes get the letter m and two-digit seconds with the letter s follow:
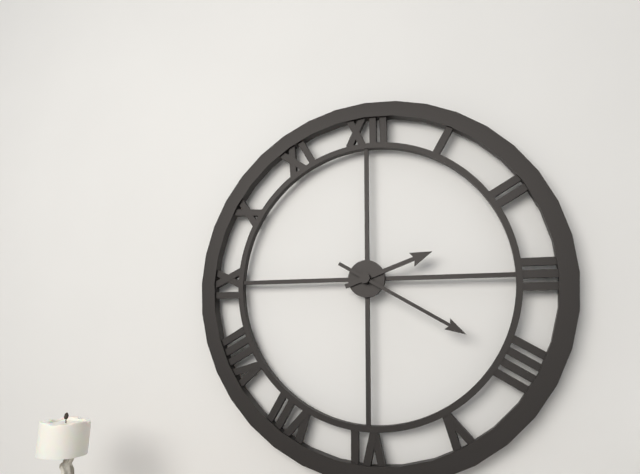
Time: 2h20
